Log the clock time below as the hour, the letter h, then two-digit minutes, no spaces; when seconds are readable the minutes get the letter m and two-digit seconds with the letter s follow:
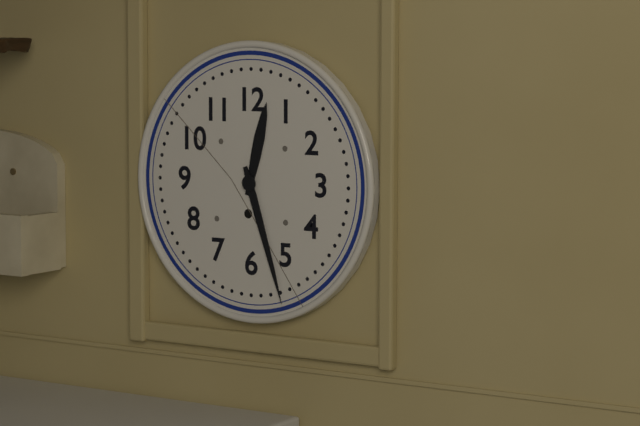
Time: 12h27
